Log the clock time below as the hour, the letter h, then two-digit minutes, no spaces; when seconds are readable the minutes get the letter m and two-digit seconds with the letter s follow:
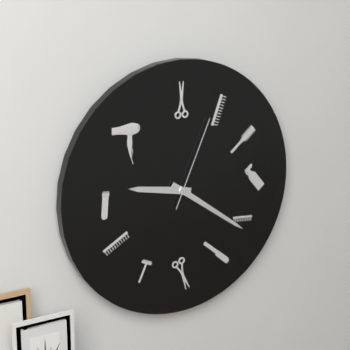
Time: 9h21m04s
